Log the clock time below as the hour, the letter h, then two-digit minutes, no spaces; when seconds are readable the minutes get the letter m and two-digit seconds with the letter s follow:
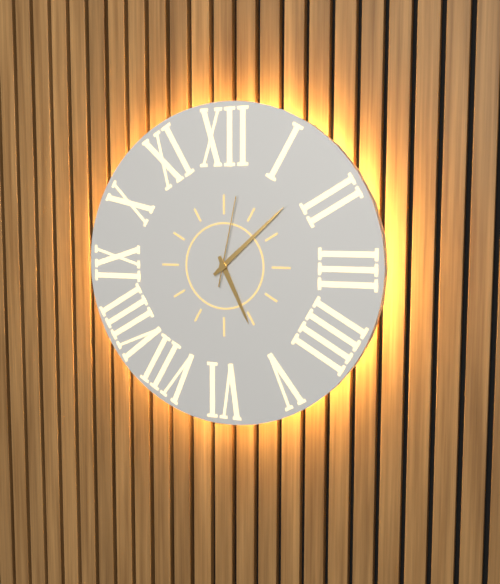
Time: 5h08m02s
